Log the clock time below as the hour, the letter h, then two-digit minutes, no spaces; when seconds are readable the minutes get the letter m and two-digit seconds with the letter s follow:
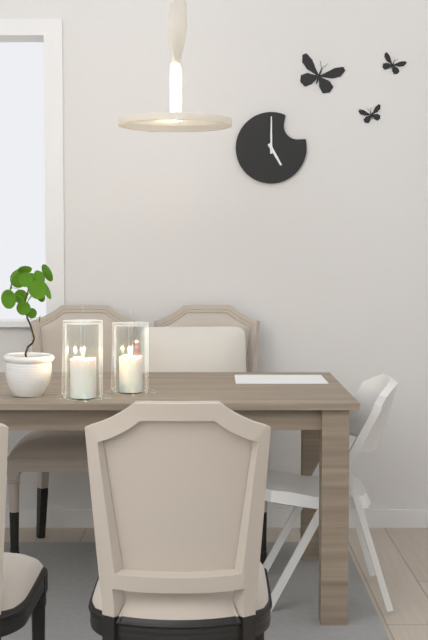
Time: 5h00
